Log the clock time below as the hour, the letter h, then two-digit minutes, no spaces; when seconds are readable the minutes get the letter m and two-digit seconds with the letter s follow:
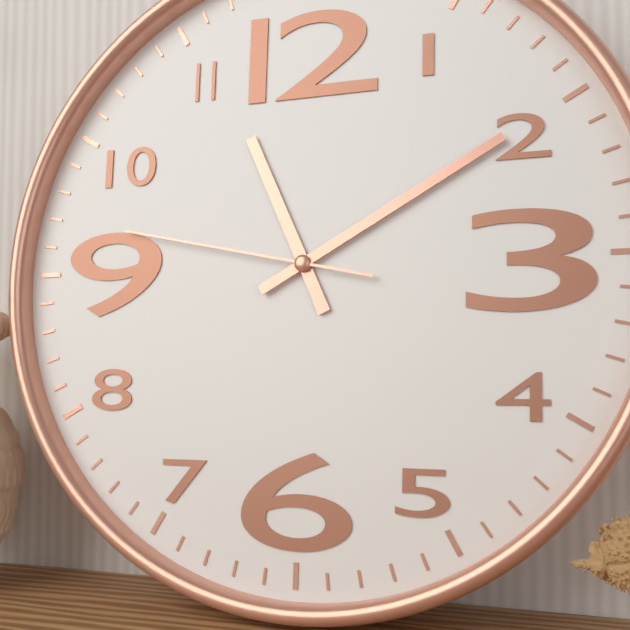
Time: 11h10m47s
